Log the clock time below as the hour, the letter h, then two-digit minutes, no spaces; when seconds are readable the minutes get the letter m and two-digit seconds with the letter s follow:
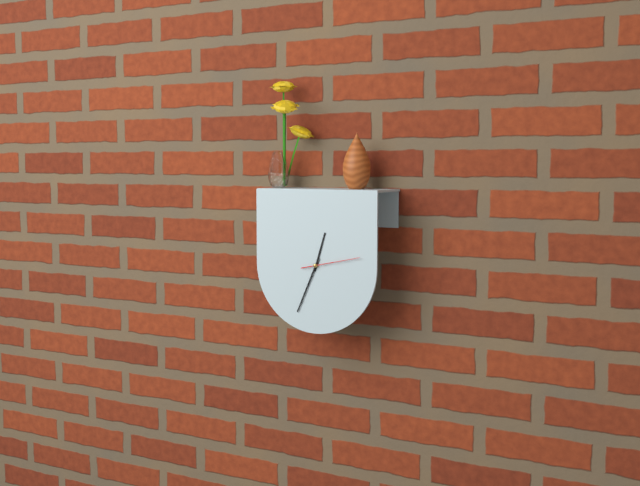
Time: 12h34m13s
